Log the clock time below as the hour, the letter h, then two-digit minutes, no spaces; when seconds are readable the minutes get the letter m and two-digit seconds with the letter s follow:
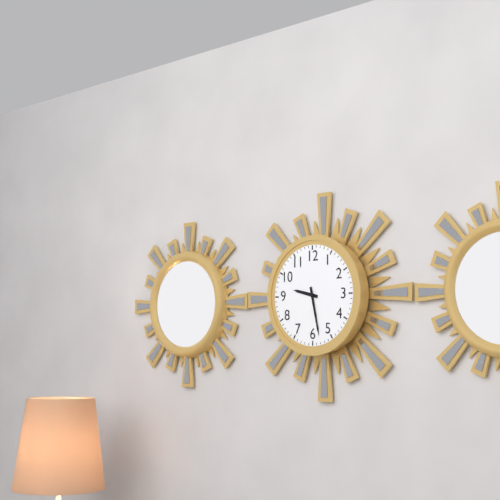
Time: 9h28
